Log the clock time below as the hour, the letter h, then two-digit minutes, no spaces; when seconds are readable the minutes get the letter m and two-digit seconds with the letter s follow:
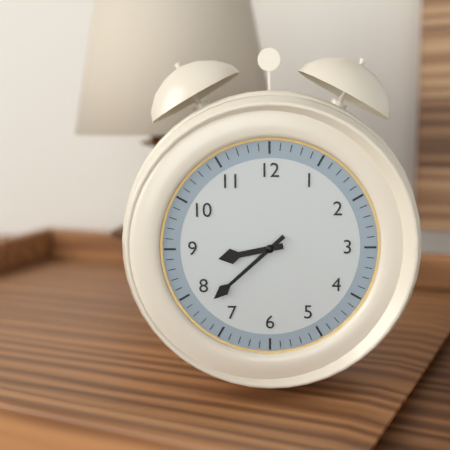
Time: 8h38
